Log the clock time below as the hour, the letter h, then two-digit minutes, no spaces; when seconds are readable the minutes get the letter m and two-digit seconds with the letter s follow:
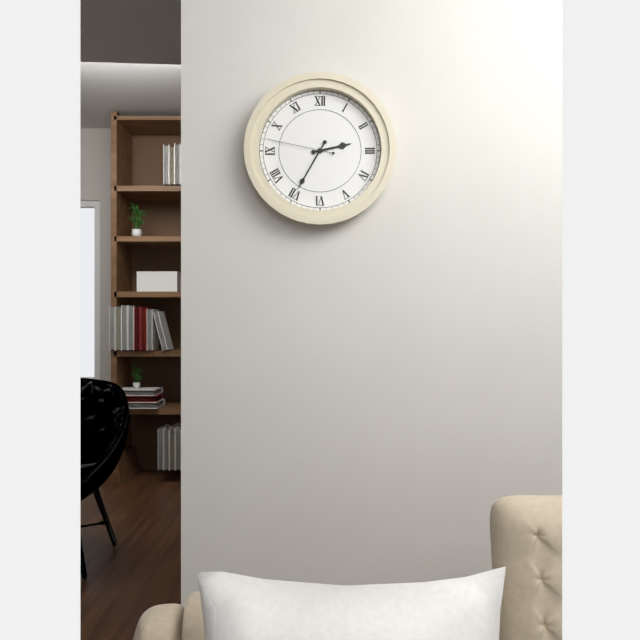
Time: 2h35m47s
